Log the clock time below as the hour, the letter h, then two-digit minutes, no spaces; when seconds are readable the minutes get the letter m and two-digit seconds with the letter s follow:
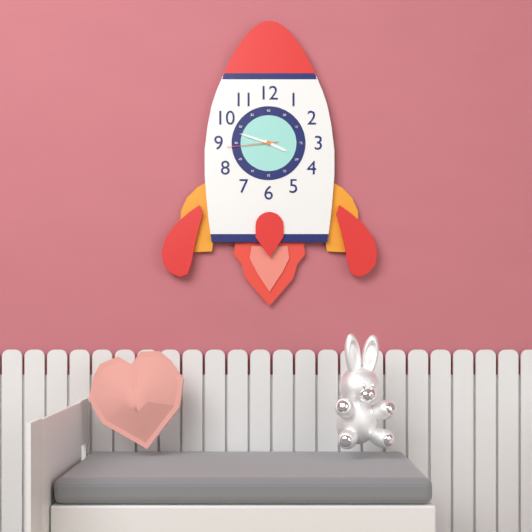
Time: 3h48m44s
